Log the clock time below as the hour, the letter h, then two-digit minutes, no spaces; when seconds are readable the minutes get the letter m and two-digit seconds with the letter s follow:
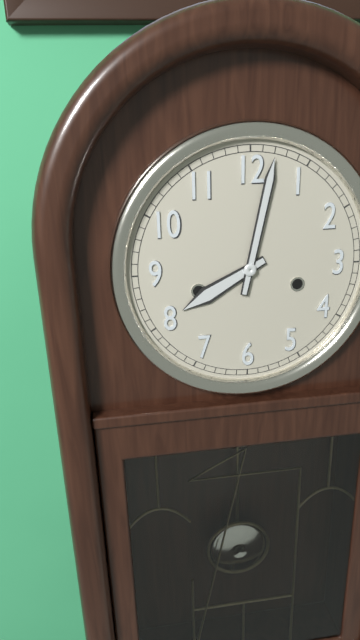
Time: 8h02
